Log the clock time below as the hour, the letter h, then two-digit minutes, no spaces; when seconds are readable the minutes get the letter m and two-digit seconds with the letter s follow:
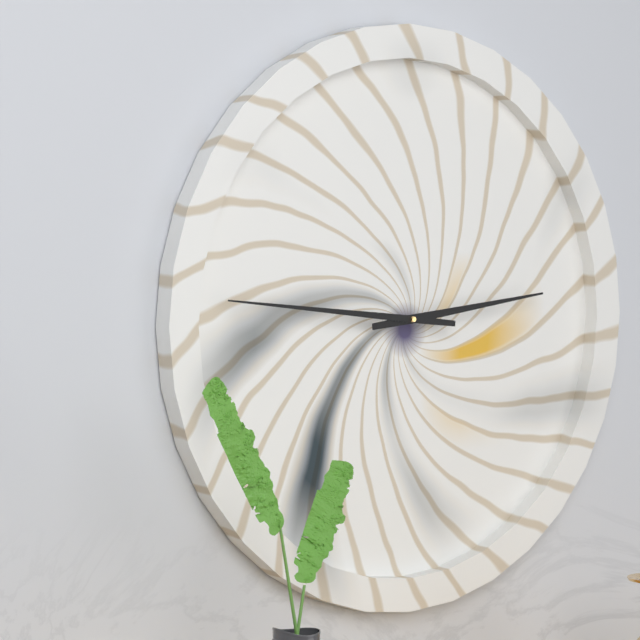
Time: 2h46
